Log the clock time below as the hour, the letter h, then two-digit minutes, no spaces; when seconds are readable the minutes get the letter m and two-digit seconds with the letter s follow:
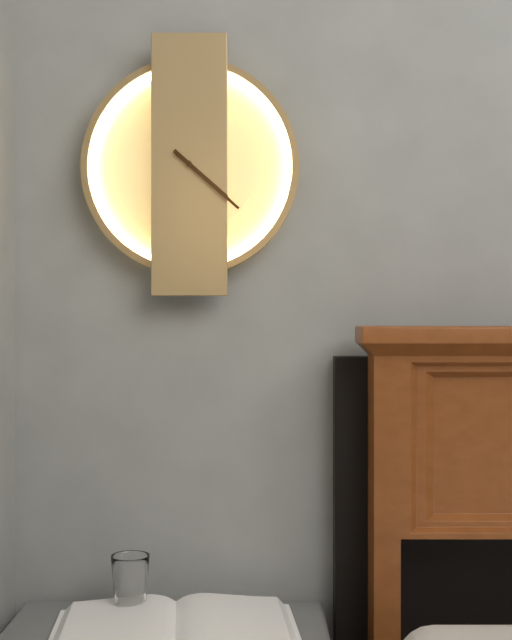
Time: 4h22
